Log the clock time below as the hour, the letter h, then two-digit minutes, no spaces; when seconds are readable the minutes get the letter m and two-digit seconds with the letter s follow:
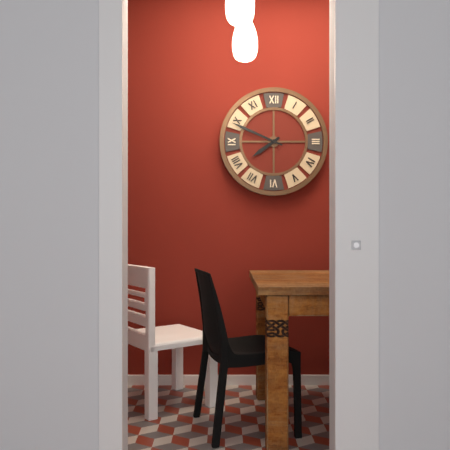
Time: 7h49
